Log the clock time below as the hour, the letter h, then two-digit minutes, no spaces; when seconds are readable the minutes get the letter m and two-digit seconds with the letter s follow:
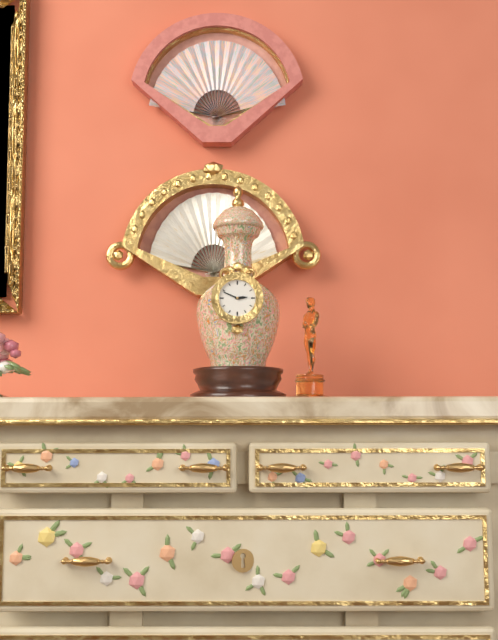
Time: 2h49
